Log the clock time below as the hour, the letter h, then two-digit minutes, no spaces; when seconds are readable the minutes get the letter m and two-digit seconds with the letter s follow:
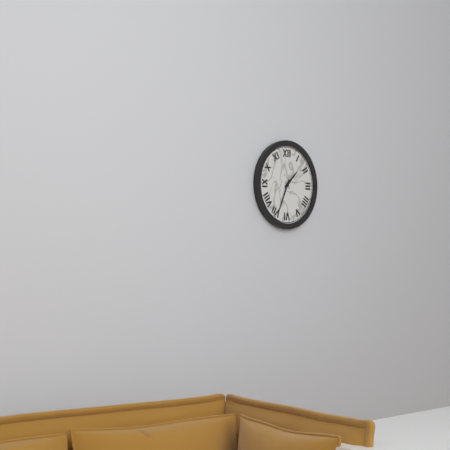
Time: 1h34
